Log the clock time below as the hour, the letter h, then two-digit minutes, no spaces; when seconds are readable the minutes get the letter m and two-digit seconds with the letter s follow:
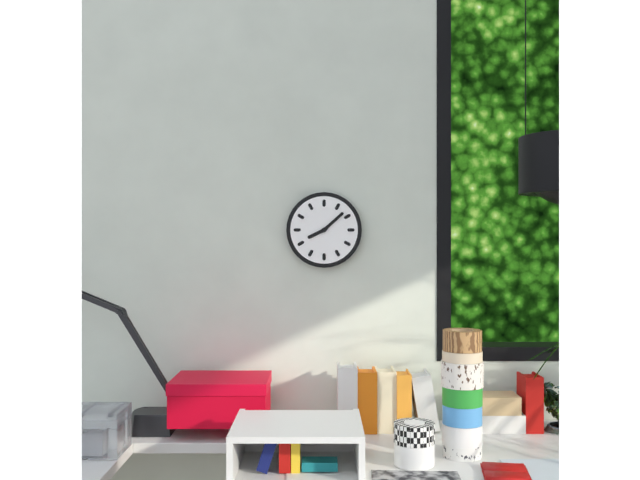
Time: 8h08
